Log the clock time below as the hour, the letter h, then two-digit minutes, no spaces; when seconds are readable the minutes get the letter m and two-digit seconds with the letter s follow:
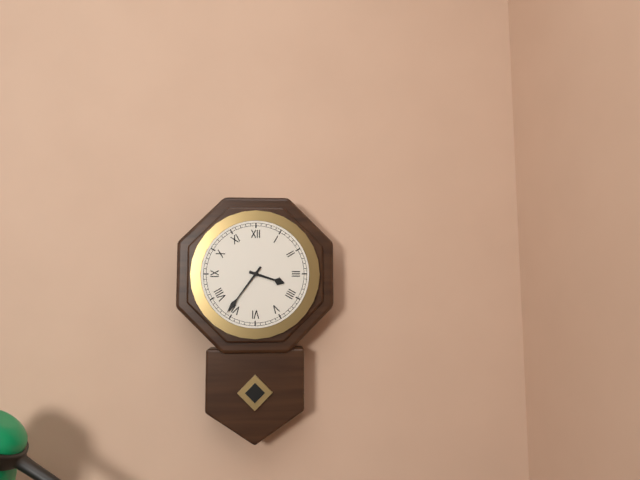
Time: 3h36
